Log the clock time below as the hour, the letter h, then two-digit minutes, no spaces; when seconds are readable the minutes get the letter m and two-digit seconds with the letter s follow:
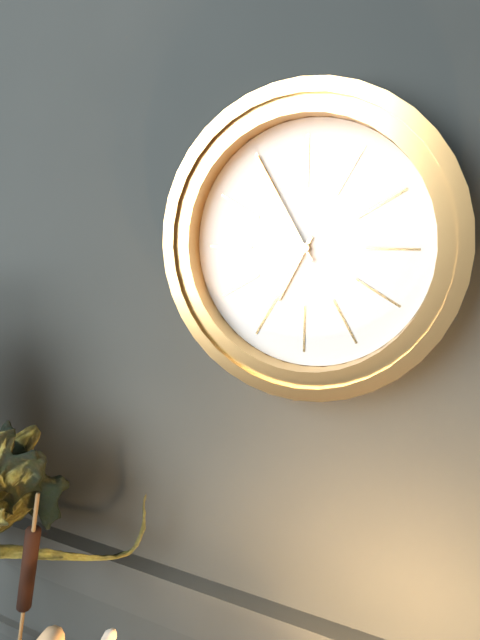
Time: 6h55
